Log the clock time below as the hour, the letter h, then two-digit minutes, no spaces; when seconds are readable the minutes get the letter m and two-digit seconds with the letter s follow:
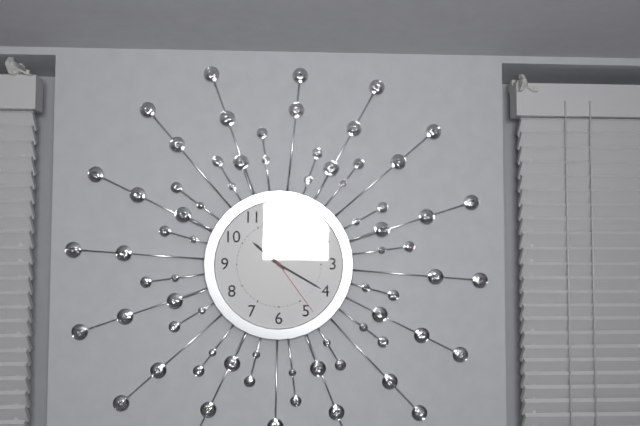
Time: 10h20m24s
